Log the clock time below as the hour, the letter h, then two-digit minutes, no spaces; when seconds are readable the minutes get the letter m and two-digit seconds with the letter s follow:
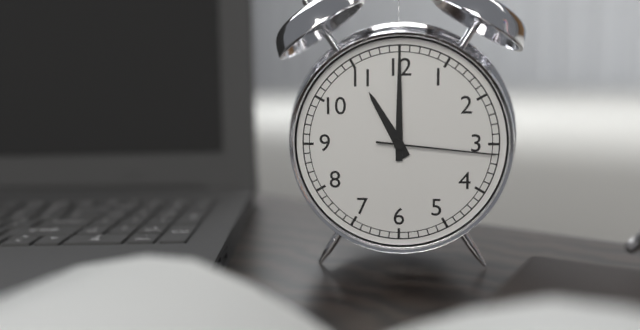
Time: 11h00m16s
